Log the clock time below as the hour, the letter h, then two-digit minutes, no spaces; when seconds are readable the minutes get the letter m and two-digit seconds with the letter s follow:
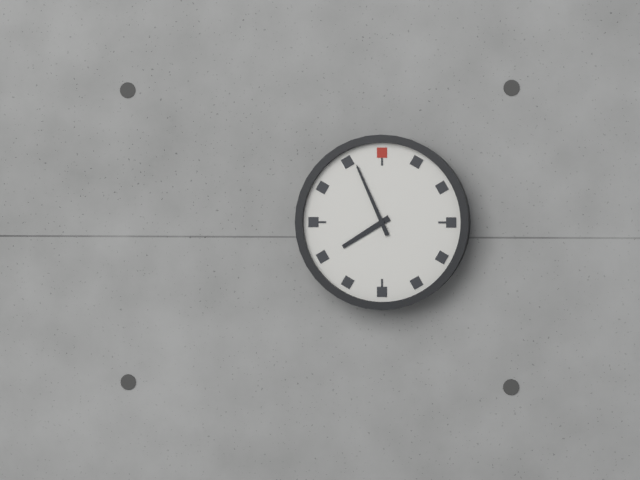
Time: 7h56
